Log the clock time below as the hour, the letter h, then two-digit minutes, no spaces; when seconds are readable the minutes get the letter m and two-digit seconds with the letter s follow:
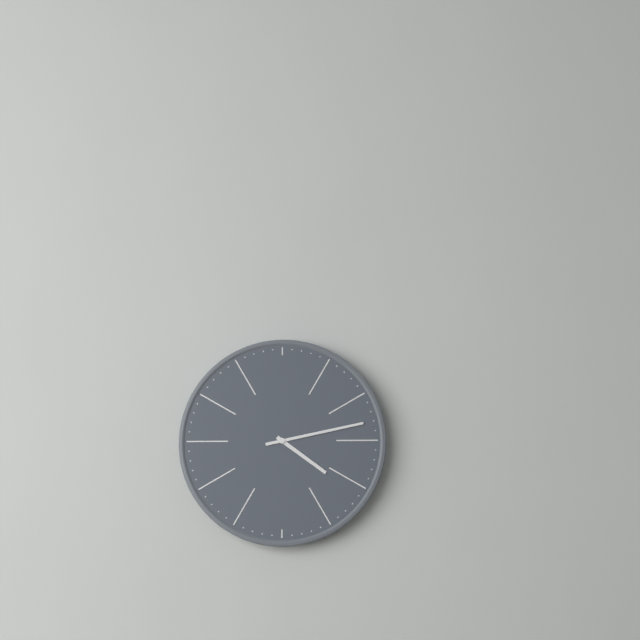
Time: 4h13
